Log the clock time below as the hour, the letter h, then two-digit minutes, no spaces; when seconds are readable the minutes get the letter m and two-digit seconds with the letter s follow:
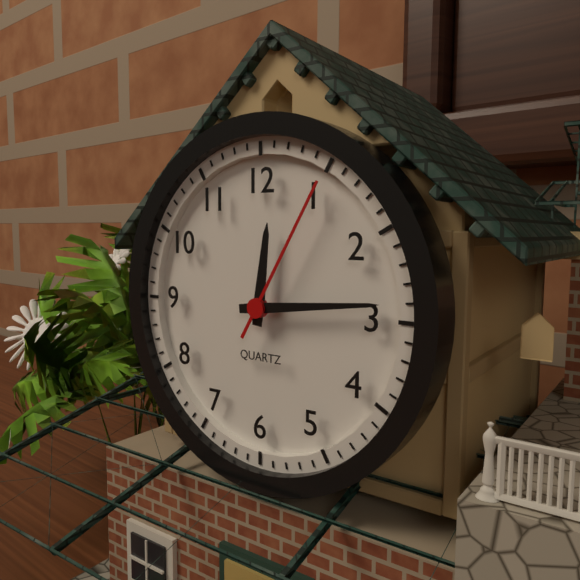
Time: 12h14m05s
